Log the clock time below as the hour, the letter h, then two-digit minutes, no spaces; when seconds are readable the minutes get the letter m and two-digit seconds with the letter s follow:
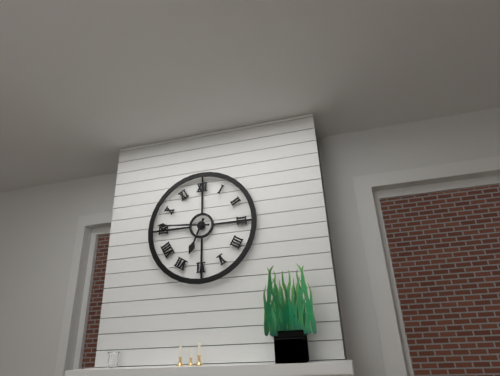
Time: 6h46
